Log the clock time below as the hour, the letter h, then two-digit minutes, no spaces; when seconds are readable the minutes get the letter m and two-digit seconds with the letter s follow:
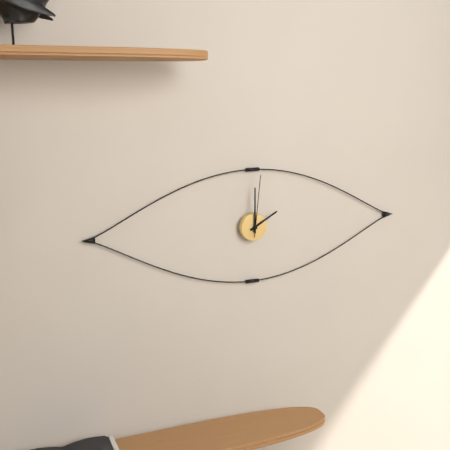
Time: 2h00m01s
